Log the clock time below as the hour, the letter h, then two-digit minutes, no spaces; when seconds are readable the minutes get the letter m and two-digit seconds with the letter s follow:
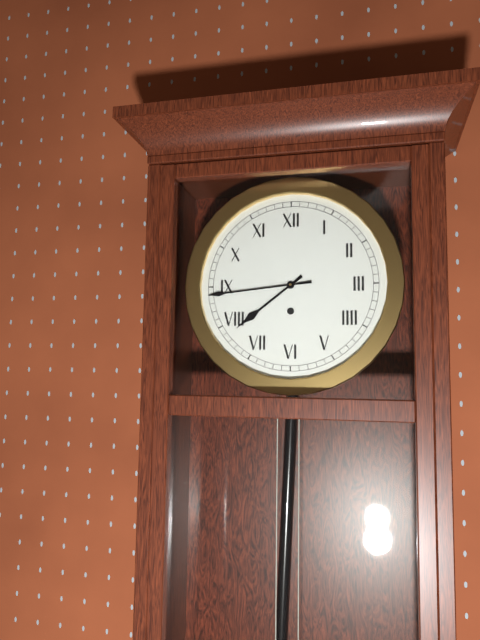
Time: 7h44
